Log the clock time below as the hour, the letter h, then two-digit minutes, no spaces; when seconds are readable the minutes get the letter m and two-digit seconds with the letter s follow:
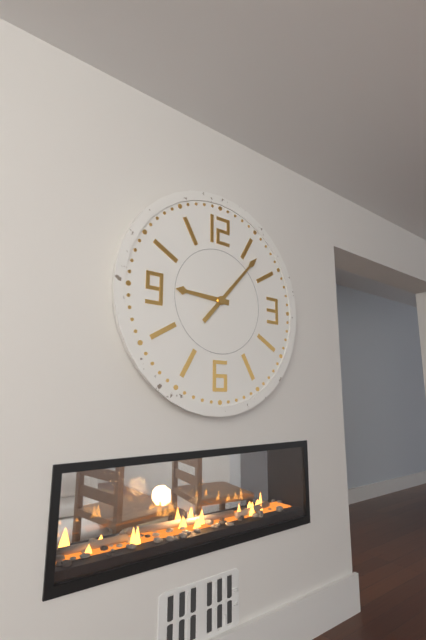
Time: 9h07
